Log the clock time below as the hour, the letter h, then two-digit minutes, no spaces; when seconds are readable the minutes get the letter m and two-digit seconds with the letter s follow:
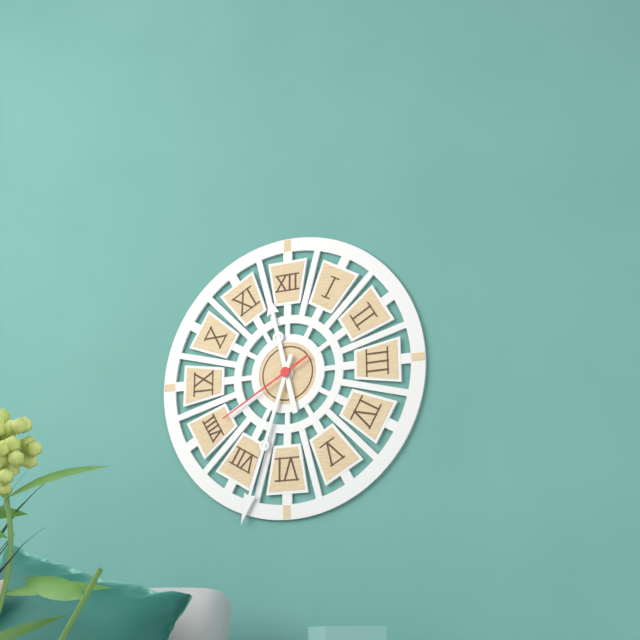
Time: 11h33m40s
